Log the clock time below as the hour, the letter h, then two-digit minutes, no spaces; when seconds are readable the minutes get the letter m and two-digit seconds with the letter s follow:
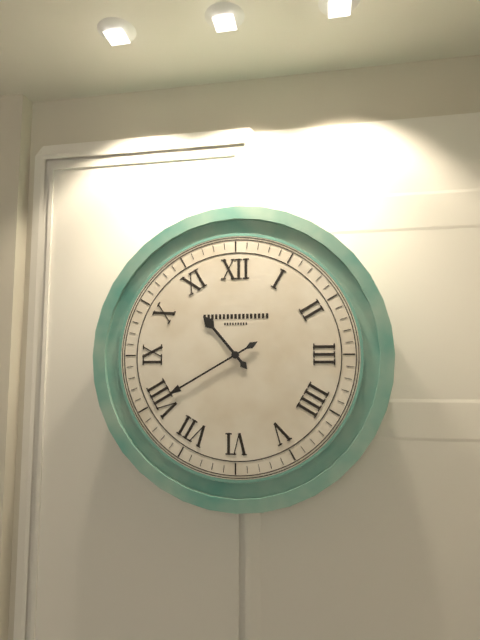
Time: 10h40
